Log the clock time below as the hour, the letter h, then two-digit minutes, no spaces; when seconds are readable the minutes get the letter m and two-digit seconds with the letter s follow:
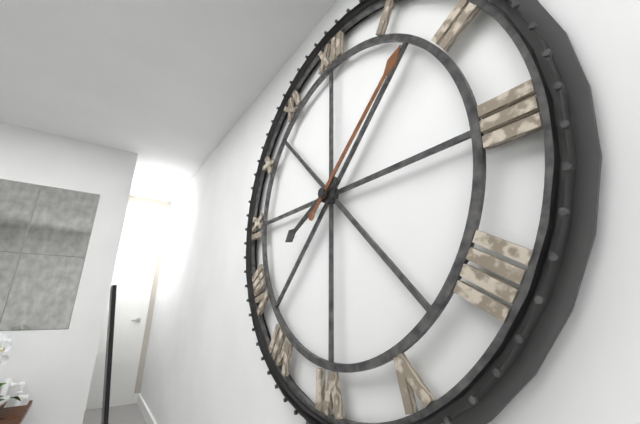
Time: 8h08
